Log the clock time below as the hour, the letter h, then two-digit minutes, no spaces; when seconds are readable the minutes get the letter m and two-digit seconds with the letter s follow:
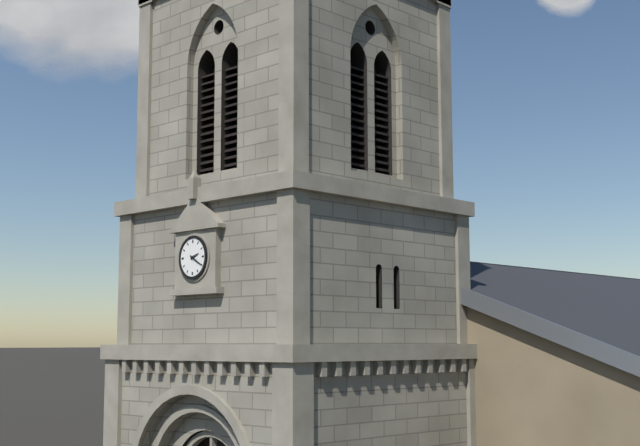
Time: 2h20
